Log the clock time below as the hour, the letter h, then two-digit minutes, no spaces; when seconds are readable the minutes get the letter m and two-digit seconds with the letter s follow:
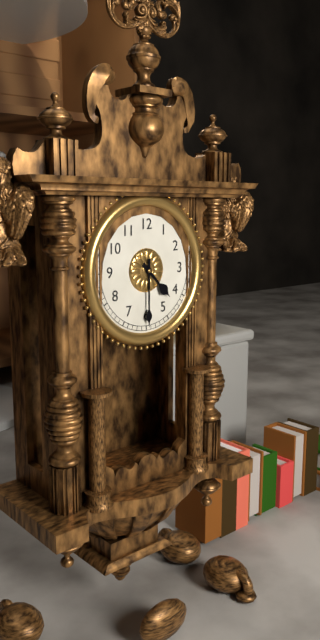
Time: 4h30
